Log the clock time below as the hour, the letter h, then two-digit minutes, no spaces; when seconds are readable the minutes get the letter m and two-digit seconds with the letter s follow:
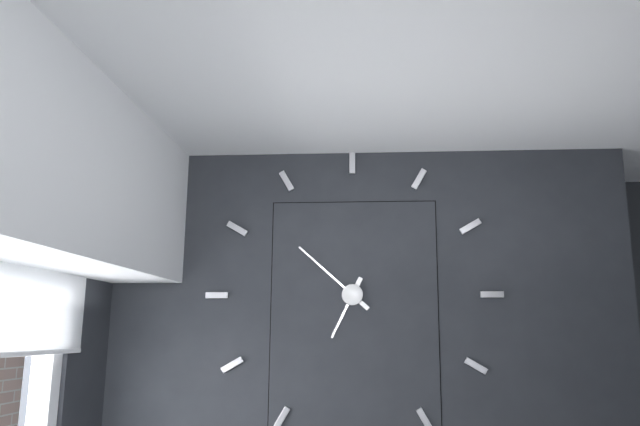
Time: 6h52
